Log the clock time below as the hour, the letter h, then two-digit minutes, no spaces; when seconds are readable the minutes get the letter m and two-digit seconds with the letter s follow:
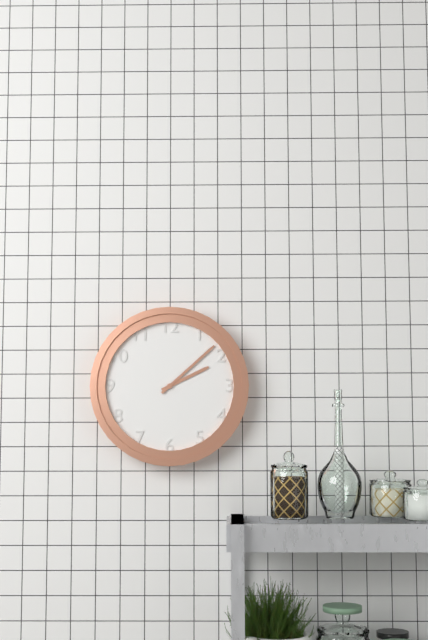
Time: 2h08
